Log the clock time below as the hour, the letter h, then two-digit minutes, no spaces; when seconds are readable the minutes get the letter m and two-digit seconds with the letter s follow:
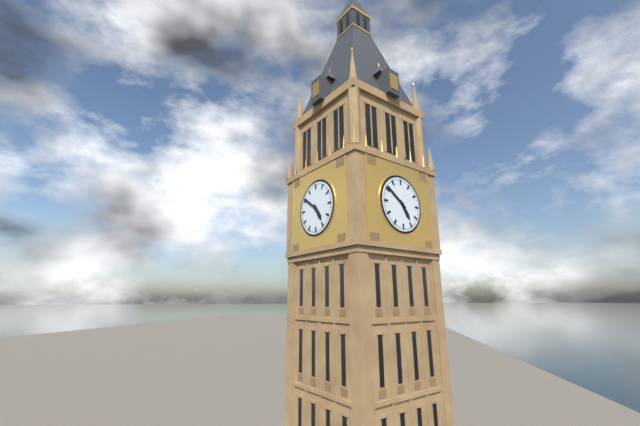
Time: 4h51
